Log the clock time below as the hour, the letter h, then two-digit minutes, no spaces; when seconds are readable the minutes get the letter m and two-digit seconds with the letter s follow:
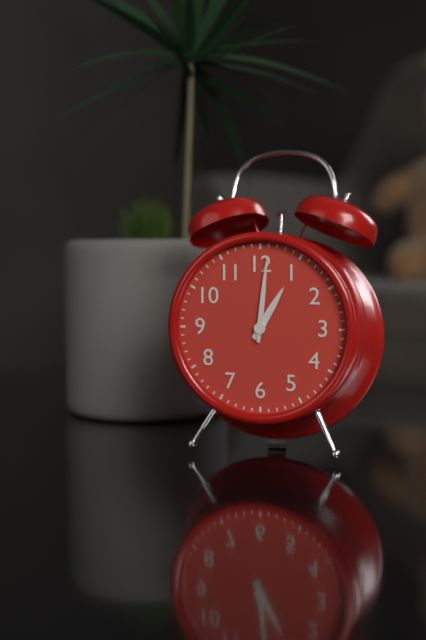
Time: 1h01
